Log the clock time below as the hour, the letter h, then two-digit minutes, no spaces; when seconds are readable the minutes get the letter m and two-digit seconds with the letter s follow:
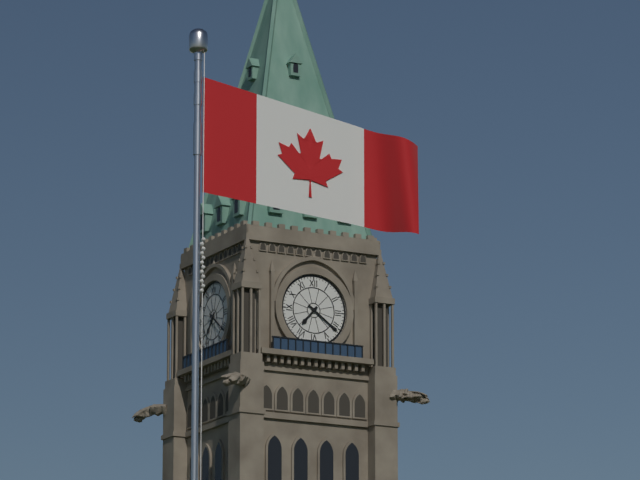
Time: 7h21
